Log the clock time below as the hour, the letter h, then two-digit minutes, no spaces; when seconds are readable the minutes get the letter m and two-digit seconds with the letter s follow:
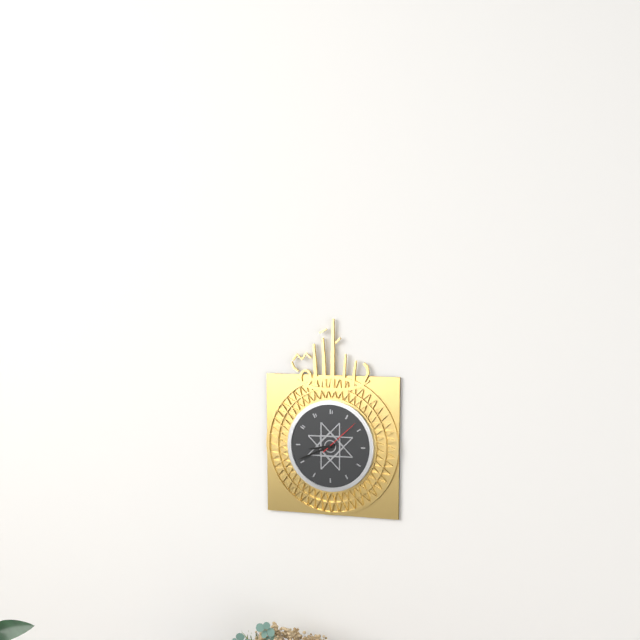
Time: 8h41
